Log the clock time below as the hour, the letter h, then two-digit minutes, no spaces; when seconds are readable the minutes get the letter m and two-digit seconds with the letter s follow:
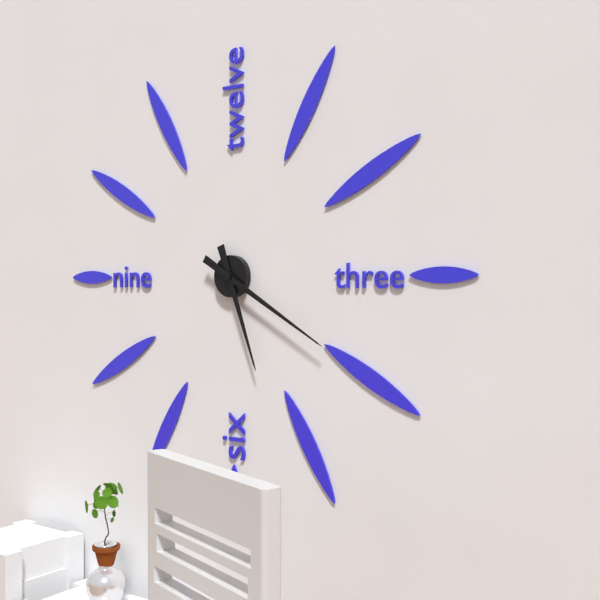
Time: 5h20
